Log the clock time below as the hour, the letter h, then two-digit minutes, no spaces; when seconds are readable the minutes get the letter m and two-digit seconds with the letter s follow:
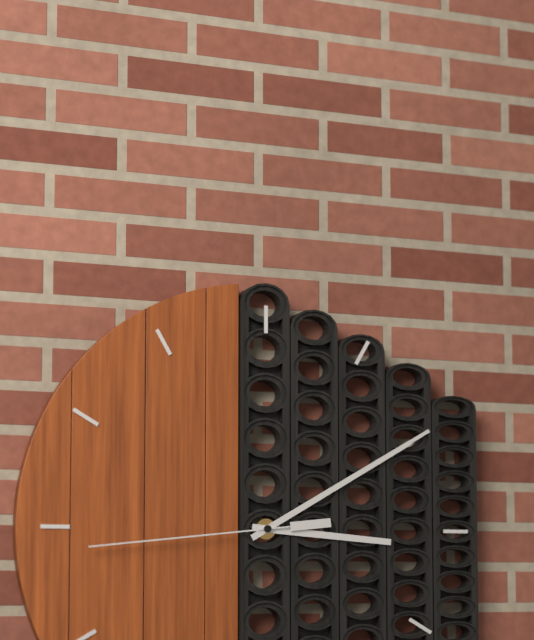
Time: 3h10m44s
